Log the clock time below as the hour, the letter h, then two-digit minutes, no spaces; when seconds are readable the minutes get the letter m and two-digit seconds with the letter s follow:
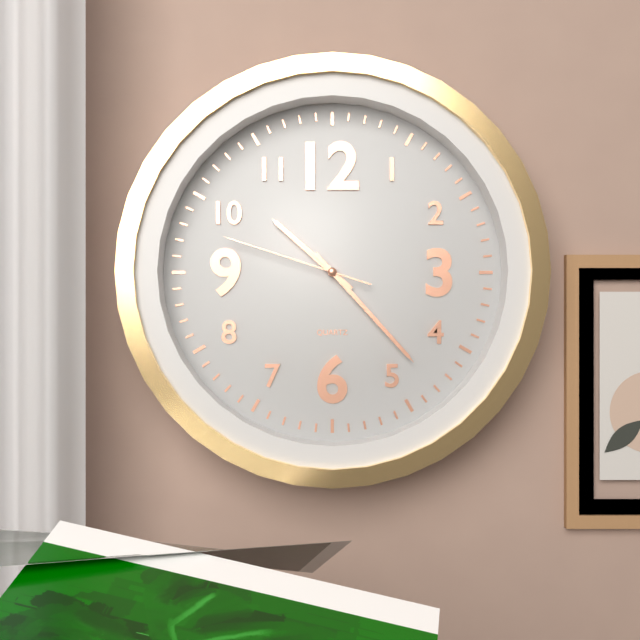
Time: 10h23m48s
